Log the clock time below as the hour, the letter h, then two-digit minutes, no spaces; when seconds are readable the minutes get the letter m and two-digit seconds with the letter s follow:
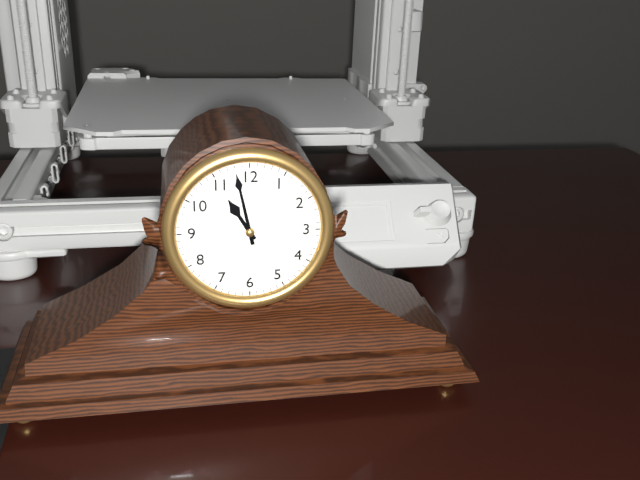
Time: 10h58
